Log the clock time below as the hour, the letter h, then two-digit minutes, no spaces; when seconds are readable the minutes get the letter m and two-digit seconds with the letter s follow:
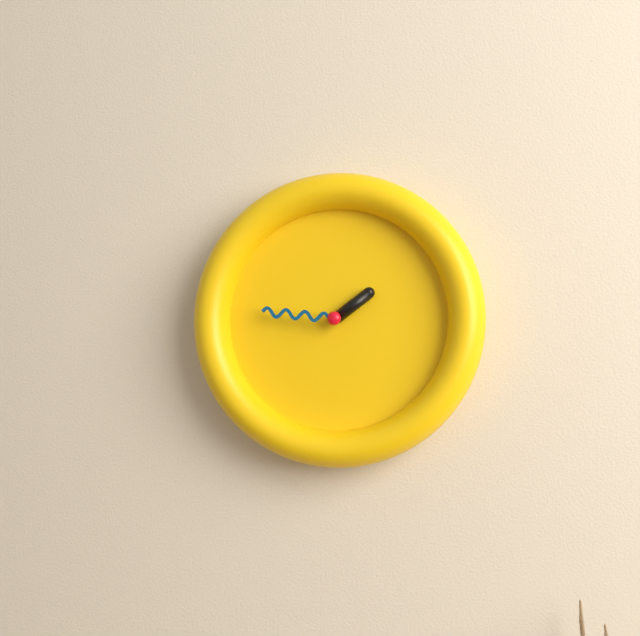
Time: 1h46
